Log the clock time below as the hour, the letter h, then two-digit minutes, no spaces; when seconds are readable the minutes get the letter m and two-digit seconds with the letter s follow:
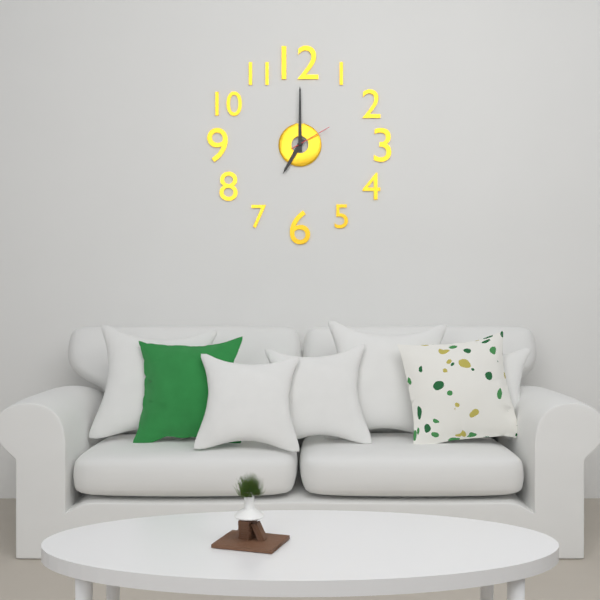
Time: 7h00
